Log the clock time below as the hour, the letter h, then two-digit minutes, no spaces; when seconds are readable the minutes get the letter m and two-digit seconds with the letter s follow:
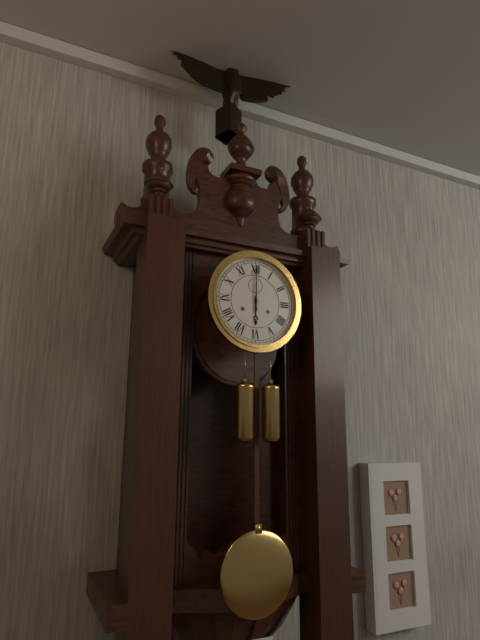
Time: 6h00
